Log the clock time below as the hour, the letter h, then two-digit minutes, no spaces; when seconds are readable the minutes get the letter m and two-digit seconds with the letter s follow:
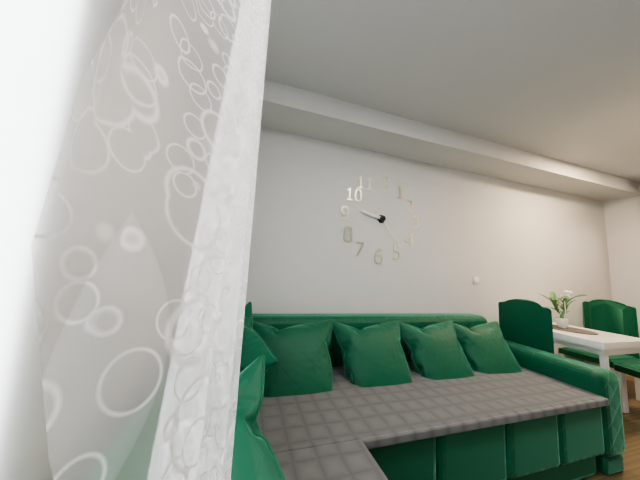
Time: 9h24
